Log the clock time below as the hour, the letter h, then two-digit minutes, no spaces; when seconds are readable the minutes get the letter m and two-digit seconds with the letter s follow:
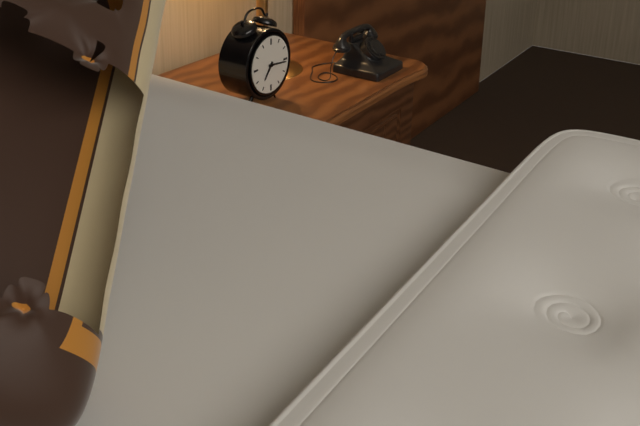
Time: 7h16
